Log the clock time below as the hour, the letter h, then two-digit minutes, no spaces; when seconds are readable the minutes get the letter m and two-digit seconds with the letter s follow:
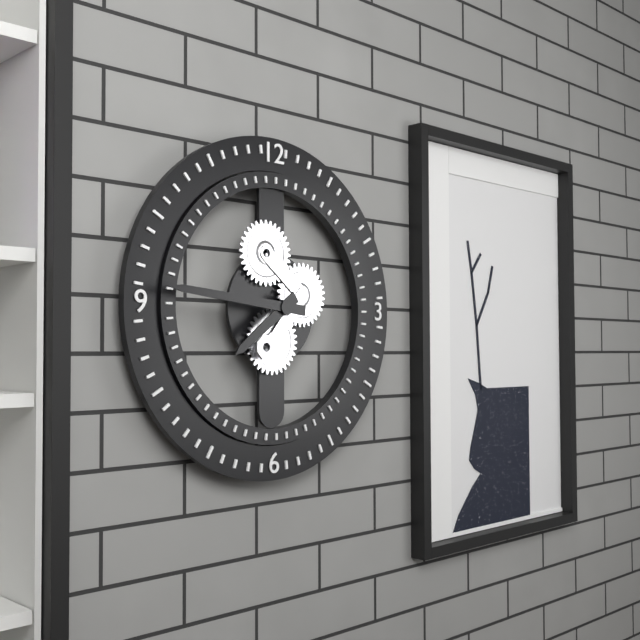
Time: 7h46
